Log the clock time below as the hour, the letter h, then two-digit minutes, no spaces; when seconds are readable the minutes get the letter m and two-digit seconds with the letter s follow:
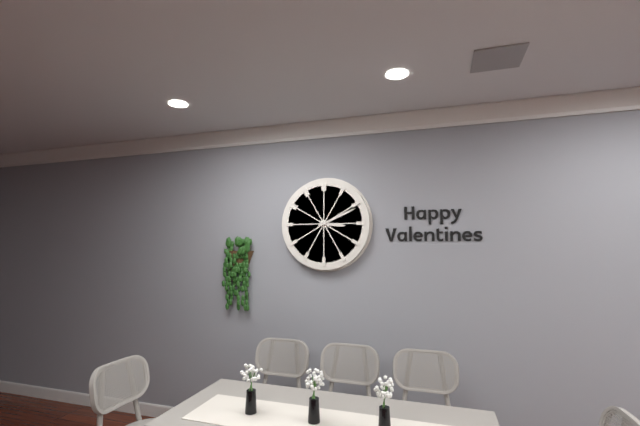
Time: 3h11
